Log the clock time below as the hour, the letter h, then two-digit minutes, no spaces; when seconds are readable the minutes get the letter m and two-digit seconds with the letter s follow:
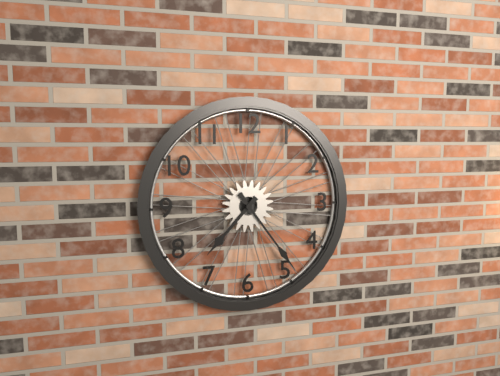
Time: 7h24
